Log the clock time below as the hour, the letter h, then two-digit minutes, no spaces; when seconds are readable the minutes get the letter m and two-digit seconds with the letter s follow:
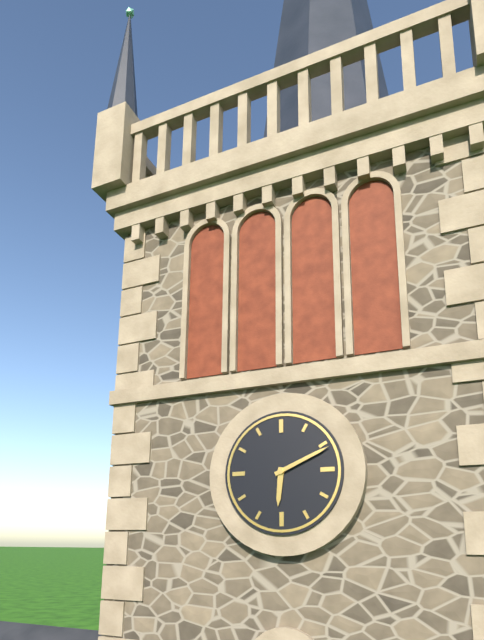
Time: 6h11
